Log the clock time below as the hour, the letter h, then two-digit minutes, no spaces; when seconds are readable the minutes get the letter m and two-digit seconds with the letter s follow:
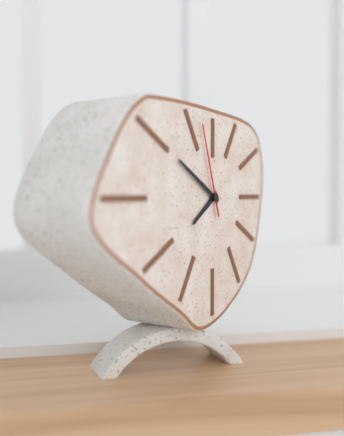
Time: 7h50m57s
